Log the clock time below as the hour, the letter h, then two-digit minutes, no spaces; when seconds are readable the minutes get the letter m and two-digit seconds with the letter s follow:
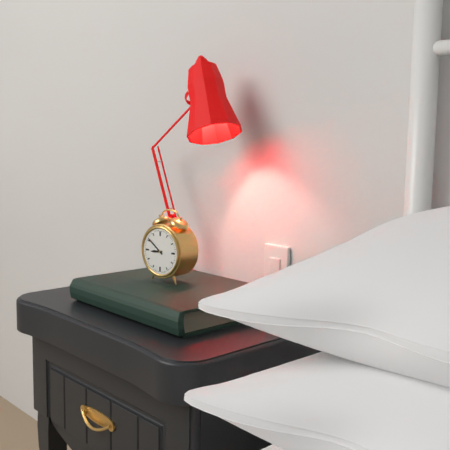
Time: 8h51
